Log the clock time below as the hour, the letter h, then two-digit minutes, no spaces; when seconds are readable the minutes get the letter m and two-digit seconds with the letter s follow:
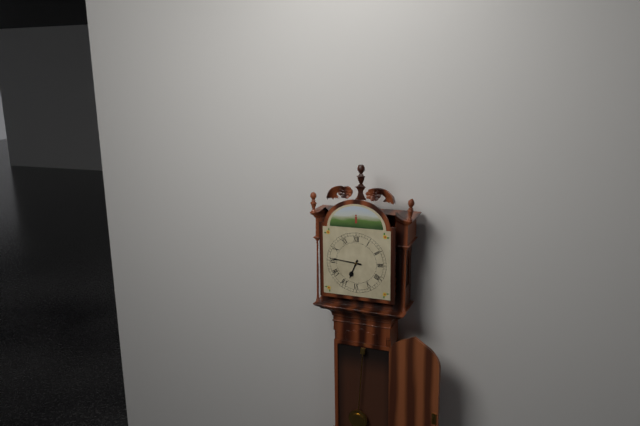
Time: 6h46
